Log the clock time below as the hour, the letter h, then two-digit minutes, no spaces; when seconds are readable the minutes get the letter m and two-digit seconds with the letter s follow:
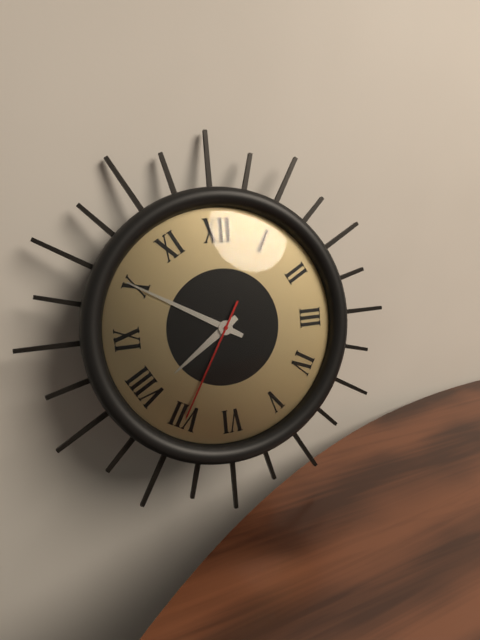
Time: 7h50m35s
